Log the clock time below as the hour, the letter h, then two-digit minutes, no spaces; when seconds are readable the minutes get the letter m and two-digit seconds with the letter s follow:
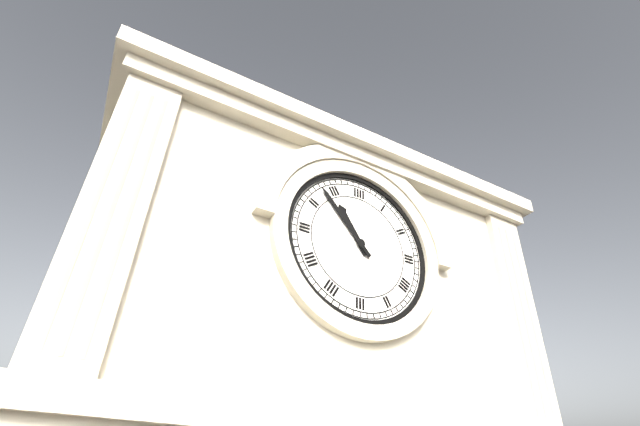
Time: 10h53
